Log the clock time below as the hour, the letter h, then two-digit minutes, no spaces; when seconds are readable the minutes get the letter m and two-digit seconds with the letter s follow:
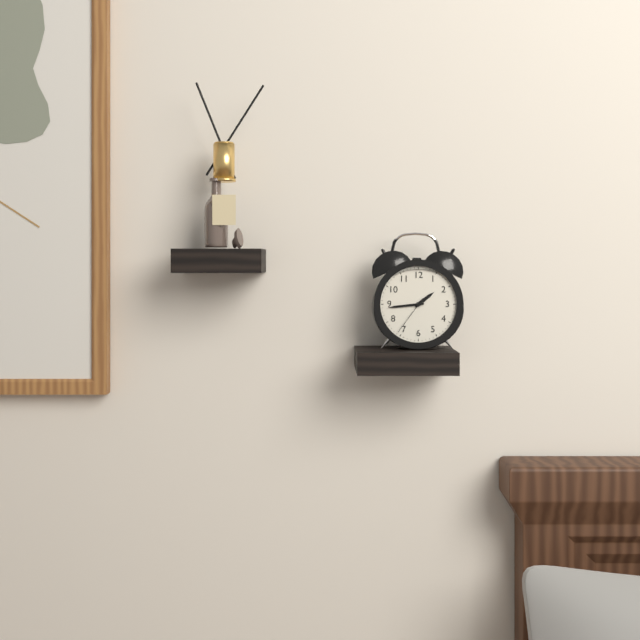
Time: 1h44
